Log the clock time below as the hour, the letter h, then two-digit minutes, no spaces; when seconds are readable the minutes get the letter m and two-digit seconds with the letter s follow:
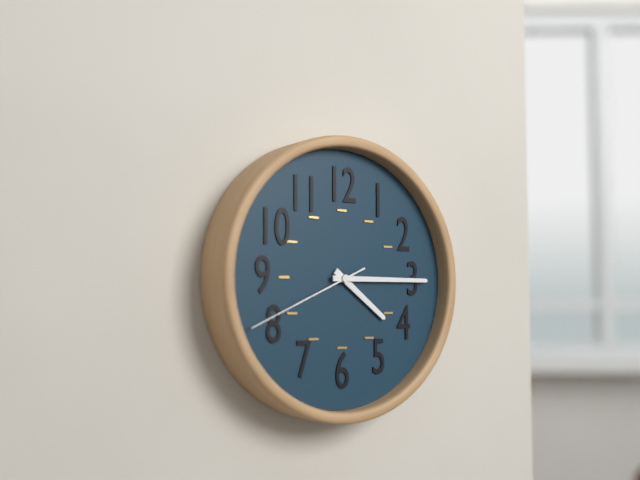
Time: 4h15m41s
